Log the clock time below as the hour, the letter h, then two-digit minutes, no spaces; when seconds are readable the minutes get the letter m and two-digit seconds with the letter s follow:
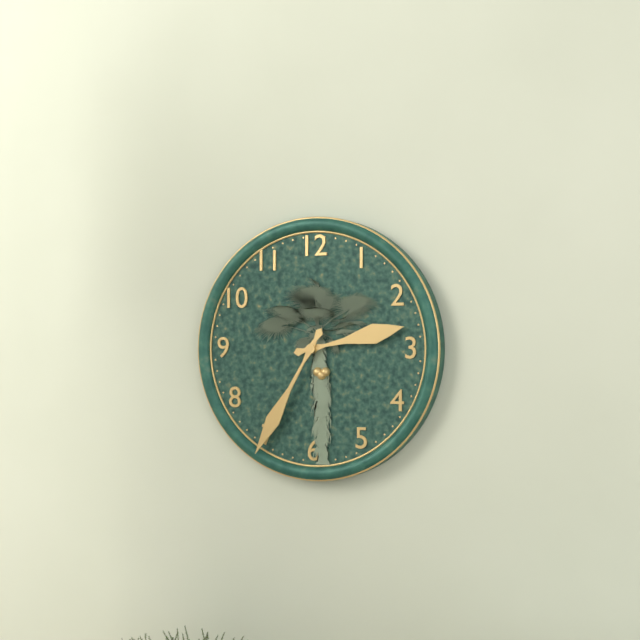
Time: 2h35
